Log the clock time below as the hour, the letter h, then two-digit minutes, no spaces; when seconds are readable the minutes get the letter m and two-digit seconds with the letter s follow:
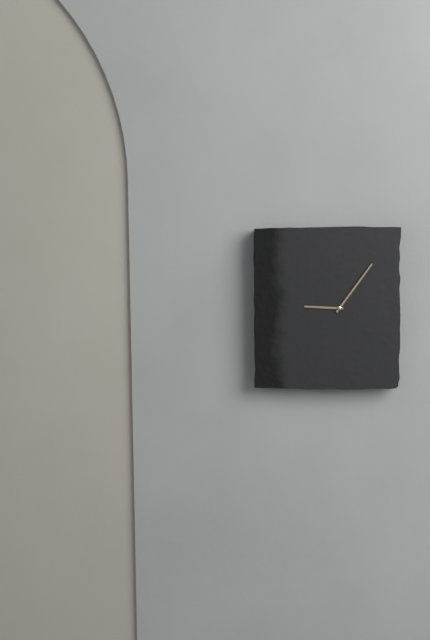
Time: 9h06
